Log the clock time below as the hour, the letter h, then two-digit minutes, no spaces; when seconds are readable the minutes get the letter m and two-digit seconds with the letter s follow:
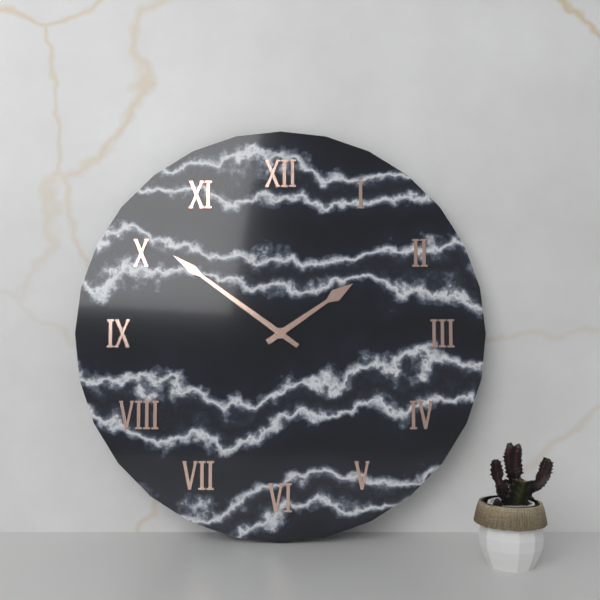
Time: 1h51
